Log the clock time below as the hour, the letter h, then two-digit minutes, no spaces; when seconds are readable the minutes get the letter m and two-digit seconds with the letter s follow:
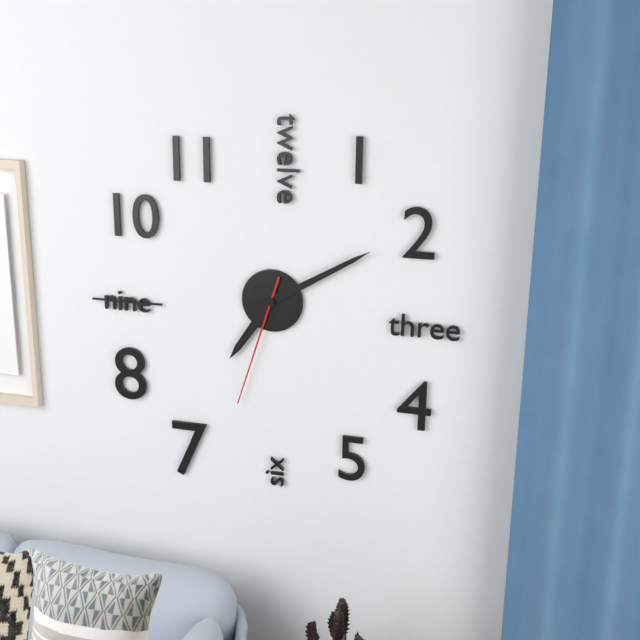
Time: 7h10m33s
